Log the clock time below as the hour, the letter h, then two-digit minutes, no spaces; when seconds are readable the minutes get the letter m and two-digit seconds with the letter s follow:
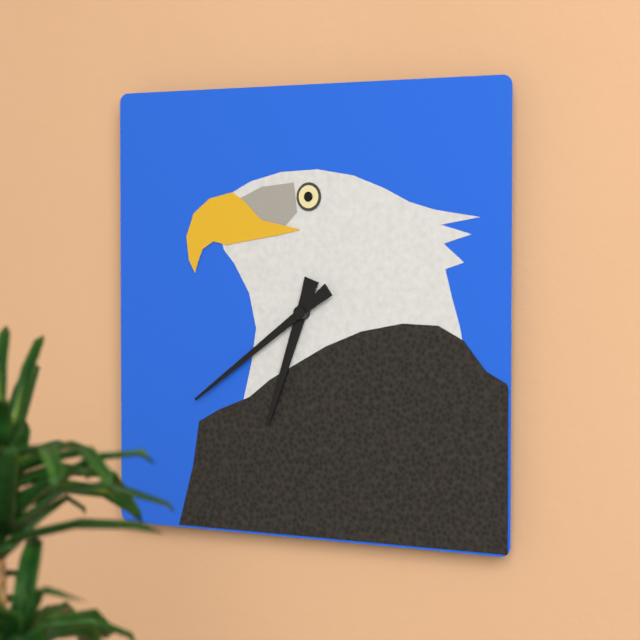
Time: 6h39
